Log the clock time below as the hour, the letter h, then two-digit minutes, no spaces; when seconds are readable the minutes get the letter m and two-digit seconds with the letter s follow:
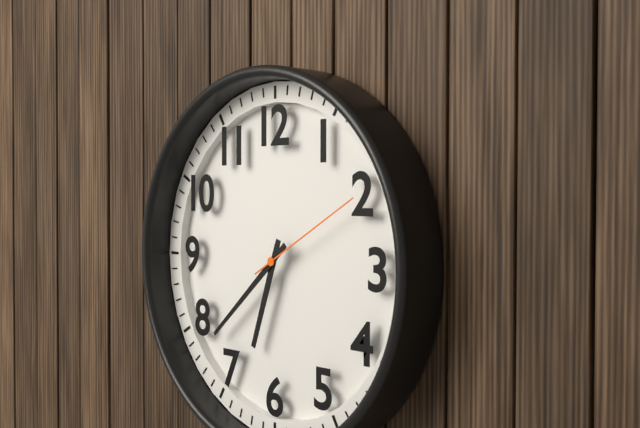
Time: 6h38m10s
